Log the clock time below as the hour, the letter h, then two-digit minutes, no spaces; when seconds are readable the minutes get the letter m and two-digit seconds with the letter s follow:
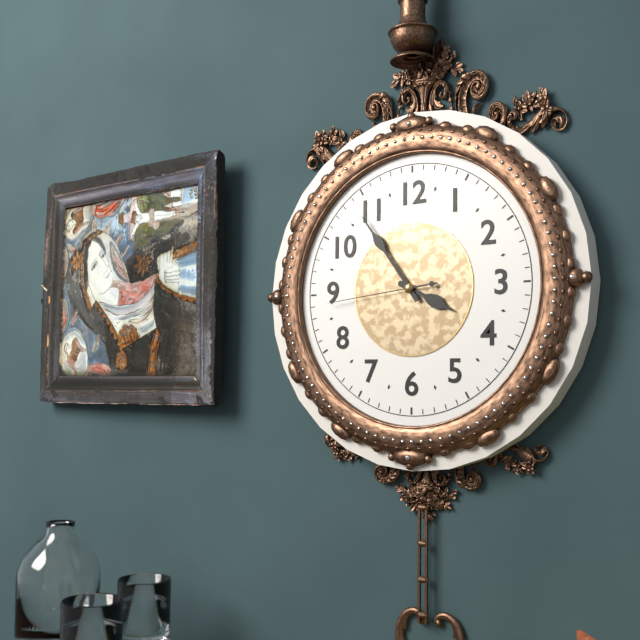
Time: 3h54m44s
